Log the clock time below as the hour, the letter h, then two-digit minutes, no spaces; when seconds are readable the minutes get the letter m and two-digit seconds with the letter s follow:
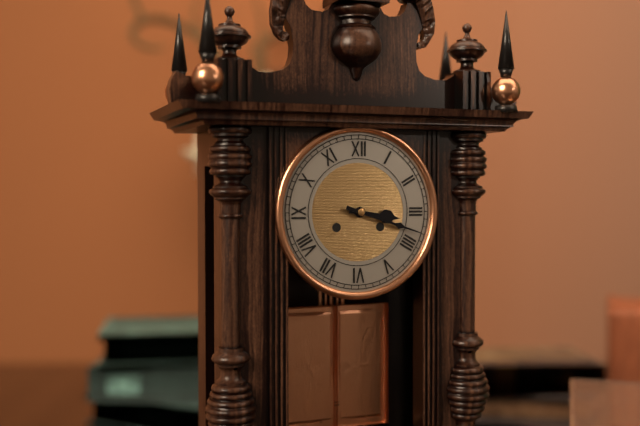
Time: 3h18
